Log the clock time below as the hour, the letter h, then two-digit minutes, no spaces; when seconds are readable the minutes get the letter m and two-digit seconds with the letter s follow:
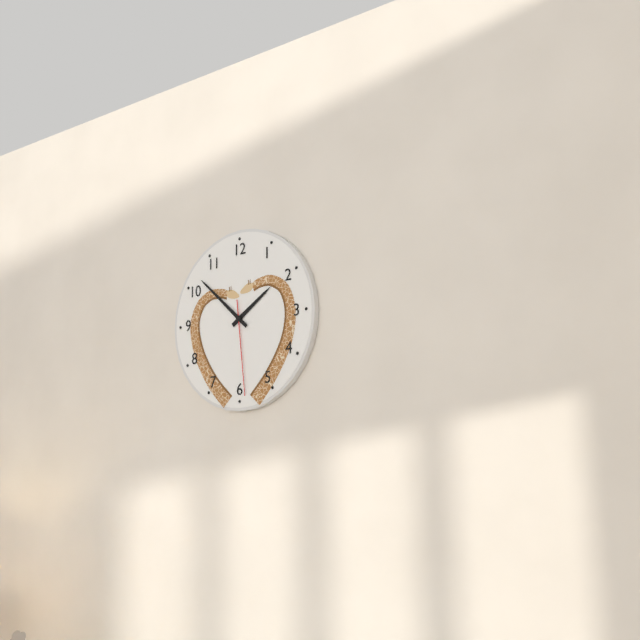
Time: 1h52m29s
